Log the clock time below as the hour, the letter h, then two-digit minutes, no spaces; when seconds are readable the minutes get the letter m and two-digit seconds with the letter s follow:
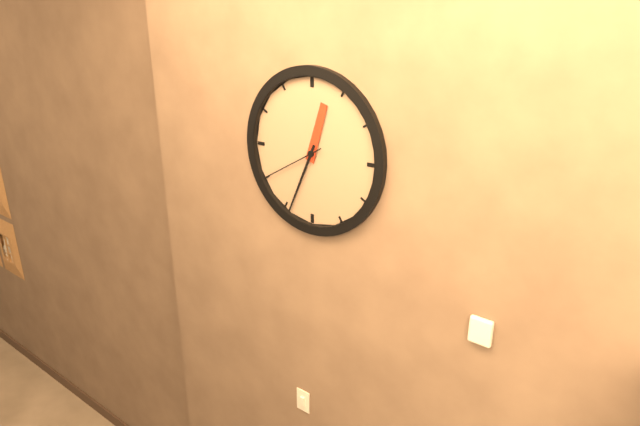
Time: 12h34m40s
